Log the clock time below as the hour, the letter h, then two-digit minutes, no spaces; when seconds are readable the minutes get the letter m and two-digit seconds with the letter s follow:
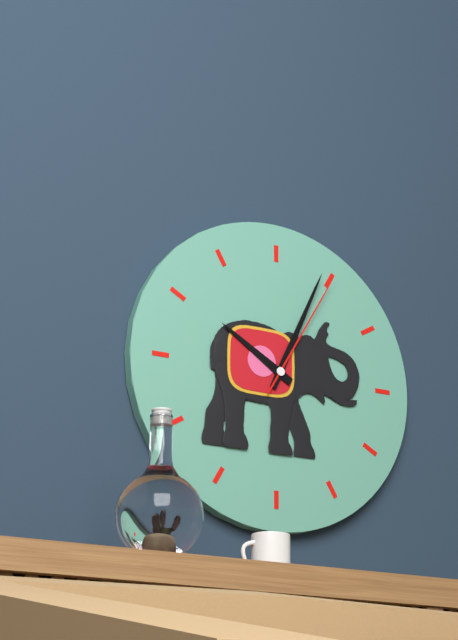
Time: 10h04m05s
